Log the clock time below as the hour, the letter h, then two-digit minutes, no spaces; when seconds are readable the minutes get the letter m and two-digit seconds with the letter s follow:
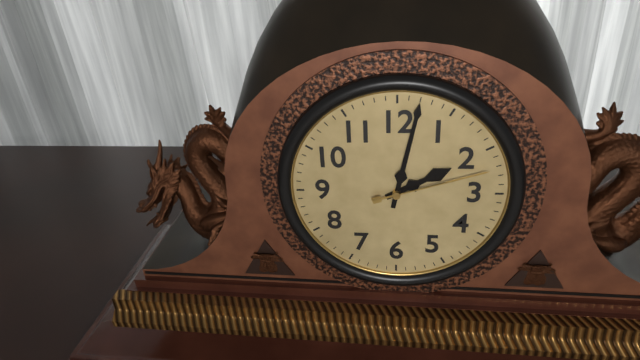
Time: 2h02m12s
